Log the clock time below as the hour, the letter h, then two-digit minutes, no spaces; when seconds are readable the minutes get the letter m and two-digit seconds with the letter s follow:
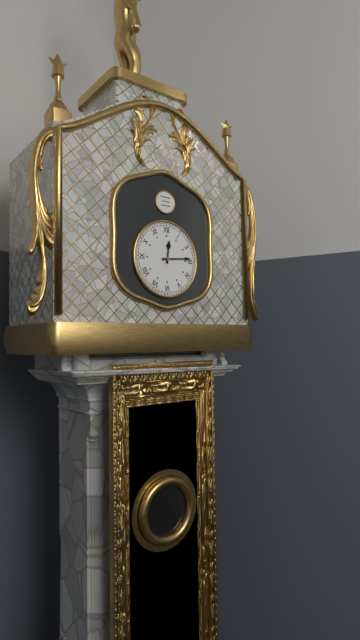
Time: 12h14
